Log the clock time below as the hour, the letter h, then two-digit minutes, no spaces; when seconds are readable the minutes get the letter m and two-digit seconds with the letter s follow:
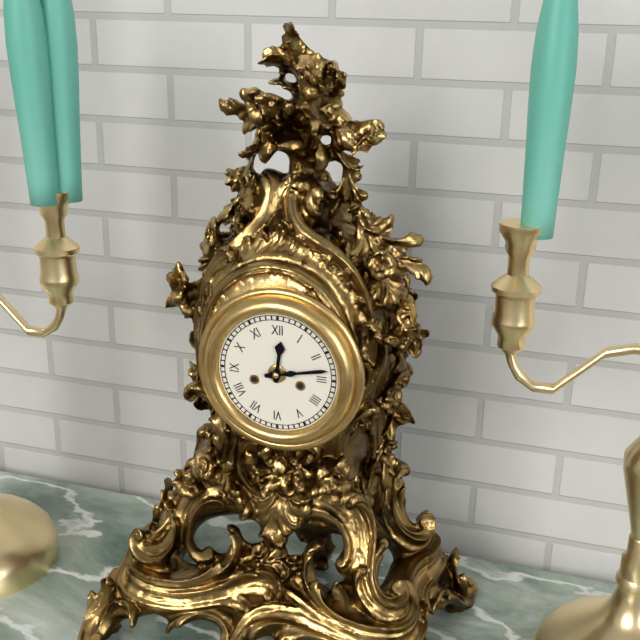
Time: 12h13
